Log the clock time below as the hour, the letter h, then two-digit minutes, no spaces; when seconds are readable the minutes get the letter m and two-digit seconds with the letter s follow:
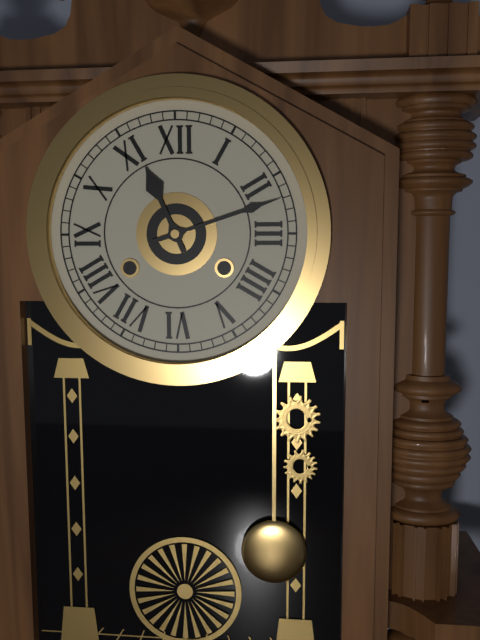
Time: 11h12
